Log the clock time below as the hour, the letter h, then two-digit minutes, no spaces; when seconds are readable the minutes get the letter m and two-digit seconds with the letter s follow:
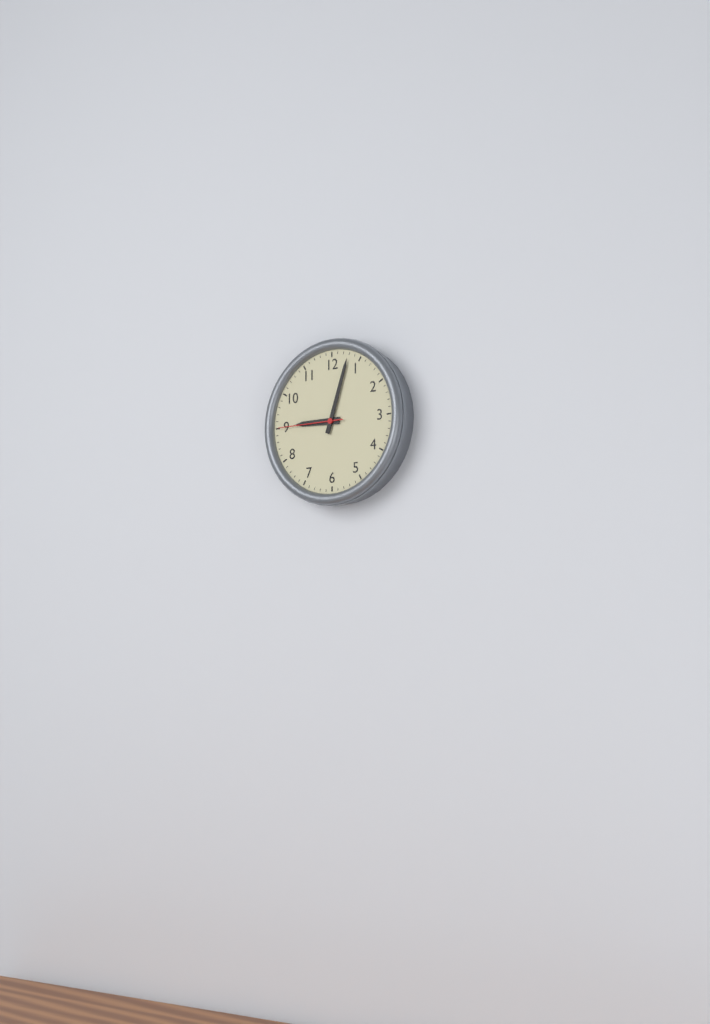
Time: 9h03m45s
